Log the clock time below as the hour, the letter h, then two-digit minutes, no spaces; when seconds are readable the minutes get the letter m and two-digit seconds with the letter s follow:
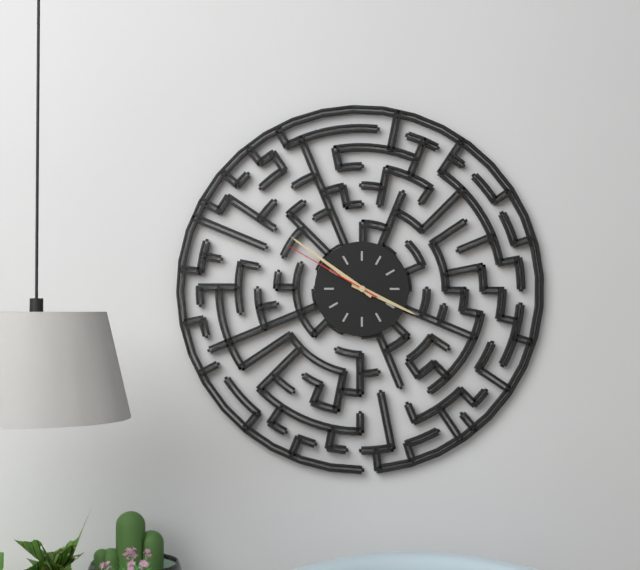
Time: 3h51m50s
